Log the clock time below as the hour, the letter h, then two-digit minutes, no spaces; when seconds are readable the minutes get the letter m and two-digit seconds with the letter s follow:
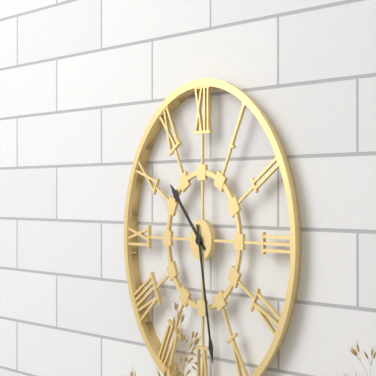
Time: 10h28
